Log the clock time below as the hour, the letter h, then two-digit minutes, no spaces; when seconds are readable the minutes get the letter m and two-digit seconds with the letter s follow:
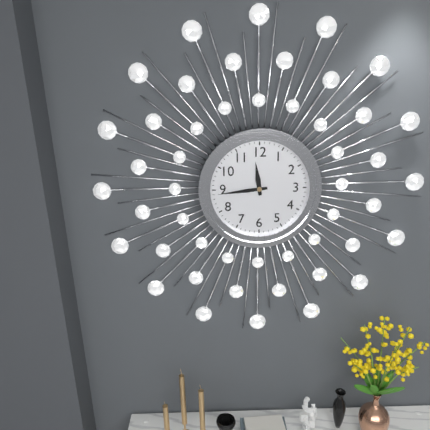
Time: 11h44
